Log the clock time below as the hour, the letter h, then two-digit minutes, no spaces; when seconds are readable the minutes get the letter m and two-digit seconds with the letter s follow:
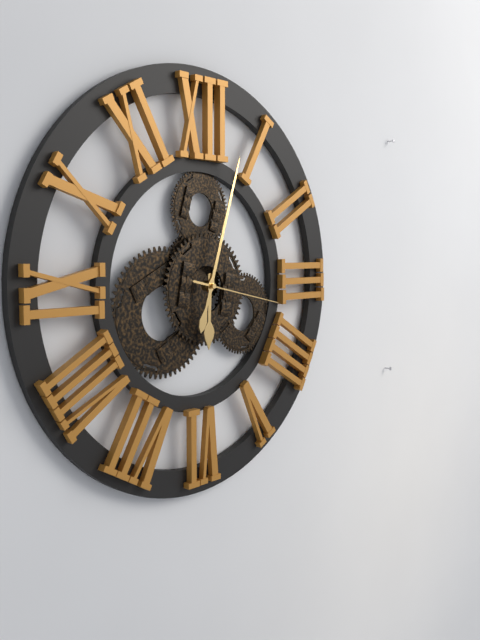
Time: 6h03m17s
